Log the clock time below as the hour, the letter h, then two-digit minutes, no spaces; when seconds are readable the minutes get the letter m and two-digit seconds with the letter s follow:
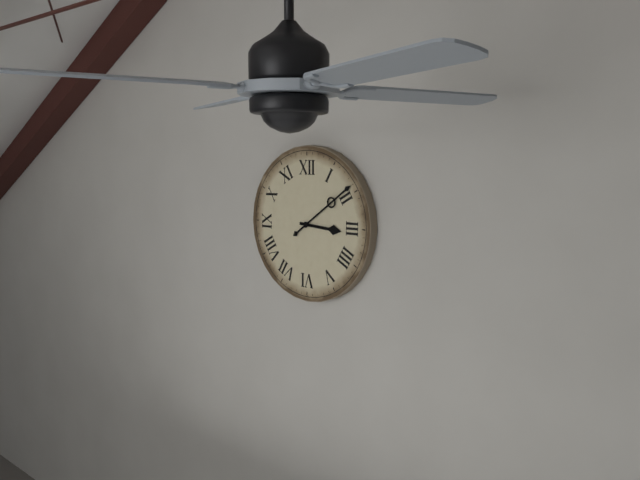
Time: 3h09
